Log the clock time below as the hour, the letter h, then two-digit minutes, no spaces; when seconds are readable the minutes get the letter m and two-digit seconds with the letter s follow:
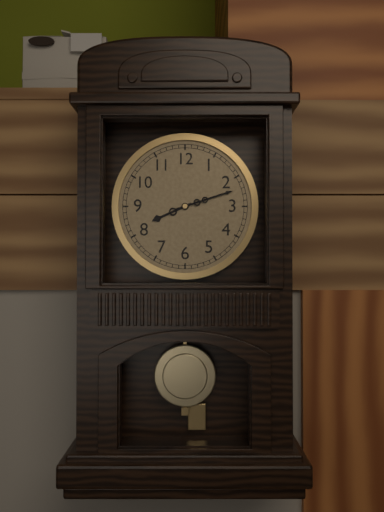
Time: 8h12
